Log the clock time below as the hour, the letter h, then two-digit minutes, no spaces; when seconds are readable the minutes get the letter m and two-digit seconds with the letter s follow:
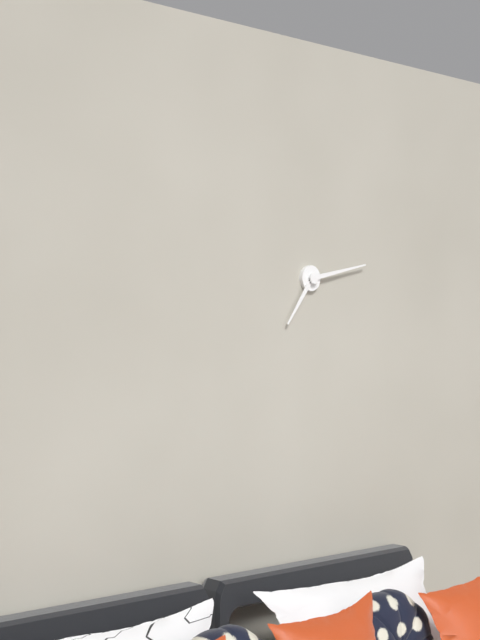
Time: 7h13
